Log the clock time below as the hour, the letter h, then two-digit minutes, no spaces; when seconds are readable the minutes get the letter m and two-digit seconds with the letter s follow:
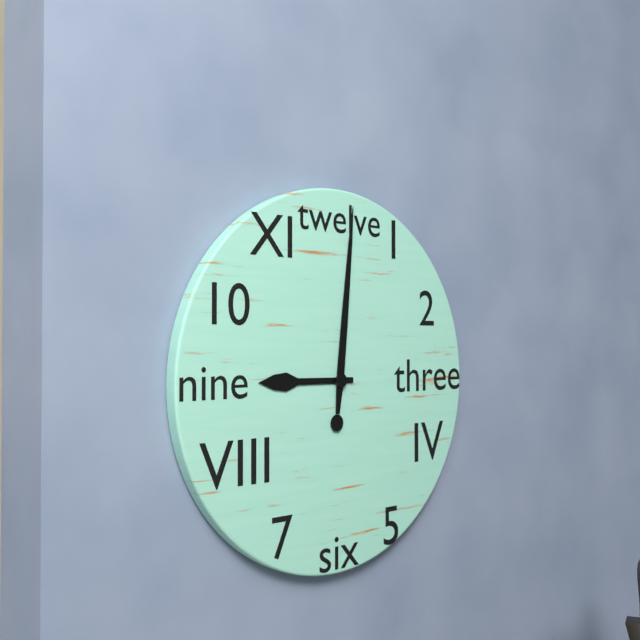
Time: 9h01
